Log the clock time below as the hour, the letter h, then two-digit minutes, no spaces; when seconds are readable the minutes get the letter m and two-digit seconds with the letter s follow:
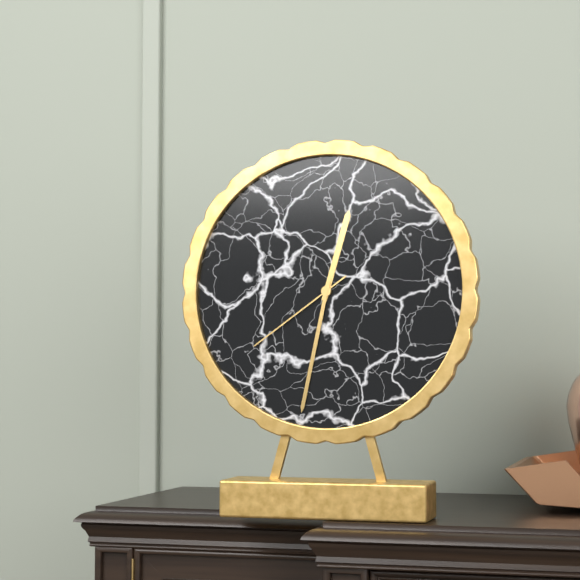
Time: 12h32m39s
